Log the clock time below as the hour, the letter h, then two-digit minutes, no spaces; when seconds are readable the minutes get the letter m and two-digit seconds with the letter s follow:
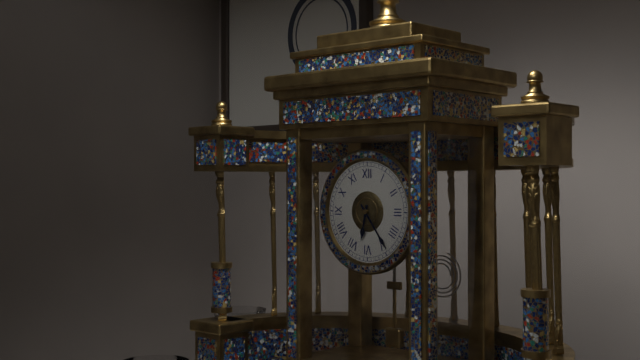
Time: 6h24
